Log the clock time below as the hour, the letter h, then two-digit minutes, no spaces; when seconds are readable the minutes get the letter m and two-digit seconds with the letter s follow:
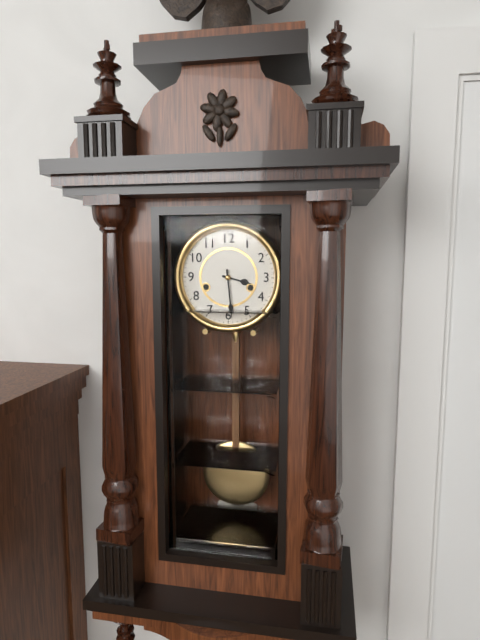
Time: 3h29
